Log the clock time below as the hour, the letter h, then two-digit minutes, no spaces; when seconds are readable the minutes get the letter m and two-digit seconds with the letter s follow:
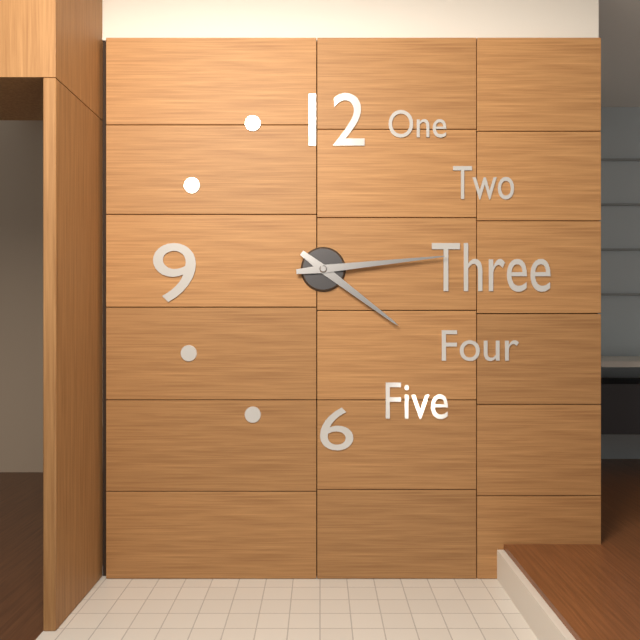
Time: 4h14
